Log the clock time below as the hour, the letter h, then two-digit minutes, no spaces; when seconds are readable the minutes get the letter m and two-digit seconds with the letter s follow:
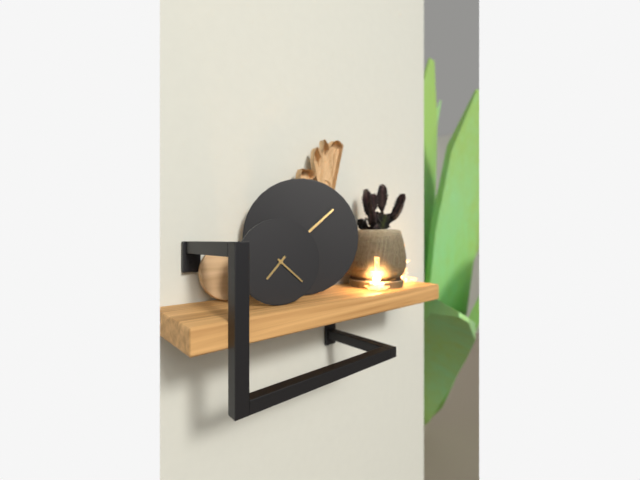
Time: 7h22
